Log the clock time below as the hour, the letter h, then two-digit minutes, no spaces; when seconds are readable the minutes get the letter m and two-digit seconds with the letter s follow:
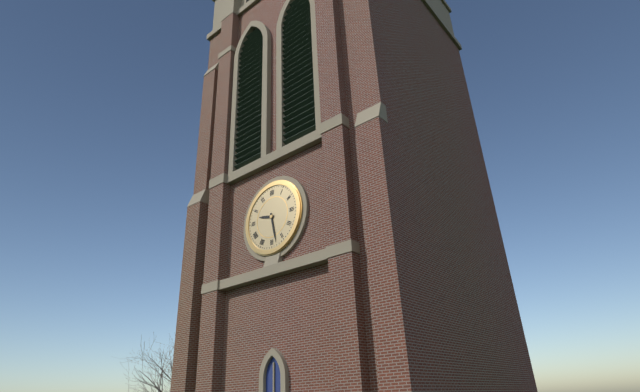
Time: 9h28
